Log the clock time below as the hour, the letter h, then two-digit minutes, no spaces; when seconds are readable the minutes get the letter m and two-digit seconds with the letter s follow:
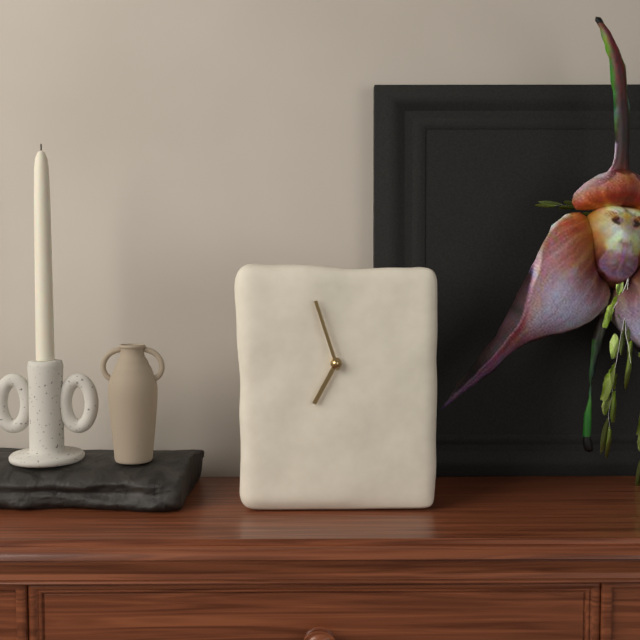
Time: 6h57
